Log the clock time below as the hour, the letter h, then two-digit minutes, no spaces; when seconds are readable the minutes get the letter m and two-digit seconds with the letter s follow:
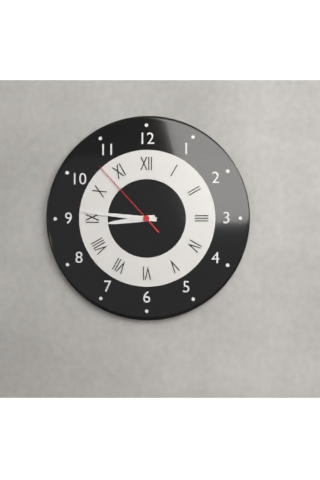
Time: 8h46m53s
